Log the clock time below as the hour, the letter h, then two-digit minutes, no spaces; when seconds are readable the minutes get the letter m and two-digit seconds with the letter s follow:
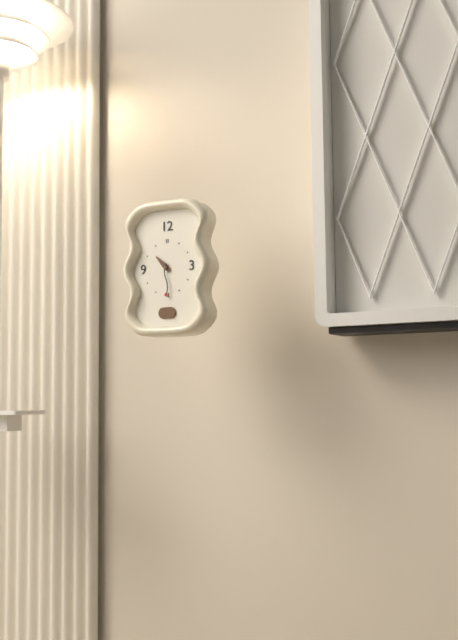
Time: 10h30
